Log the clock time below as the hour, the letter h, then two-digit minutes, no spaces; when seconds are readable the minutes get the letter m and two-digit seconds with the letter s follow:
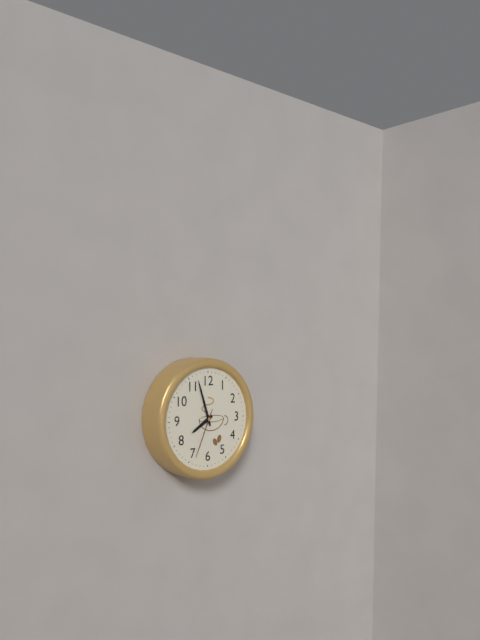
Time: 7h57m34s
